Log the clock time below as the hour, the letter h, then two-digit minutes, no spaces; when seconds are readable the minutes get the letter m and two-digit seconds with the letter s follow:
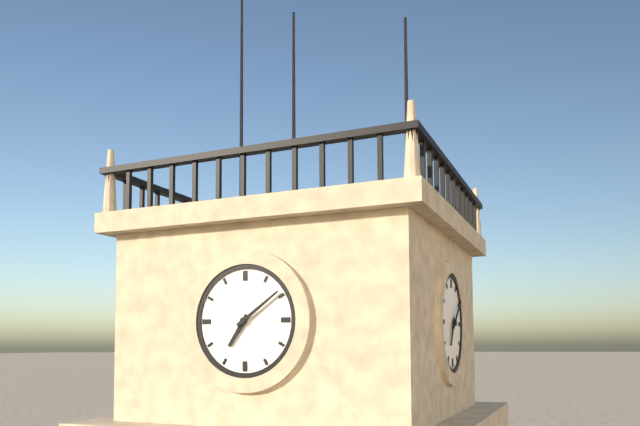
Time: 7h09
